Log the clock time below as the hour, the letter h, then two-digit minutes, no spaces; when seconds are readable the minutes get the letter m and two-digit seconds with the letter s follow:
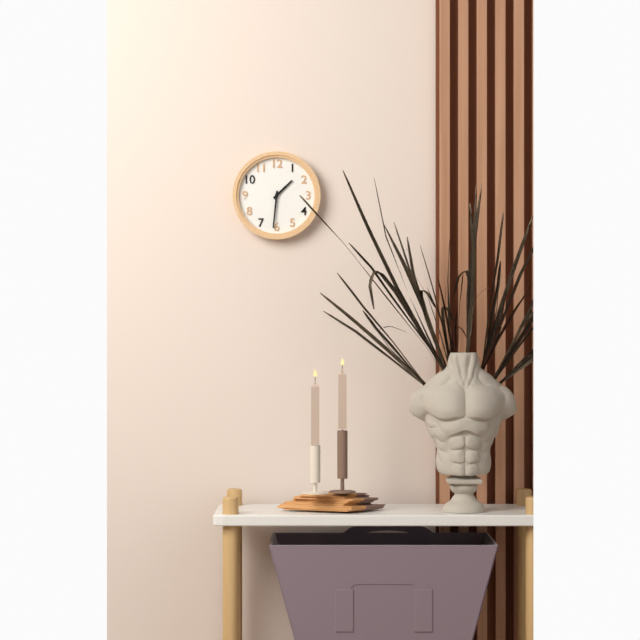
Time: 1h31
